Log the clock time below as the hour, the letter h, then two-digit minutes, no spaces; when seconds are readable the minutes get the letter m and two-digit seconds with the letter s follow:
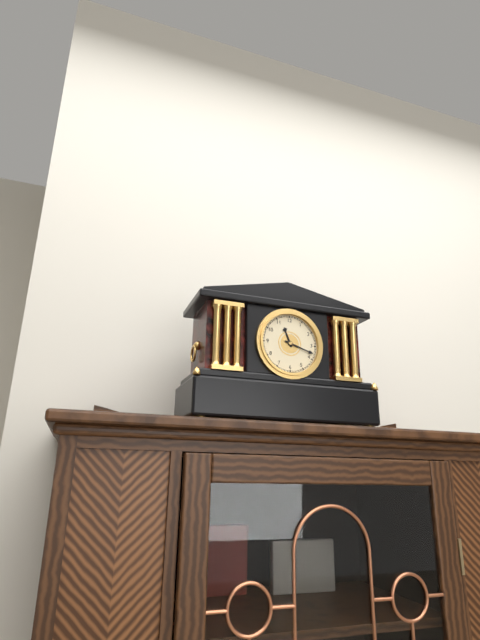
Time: 11h18
